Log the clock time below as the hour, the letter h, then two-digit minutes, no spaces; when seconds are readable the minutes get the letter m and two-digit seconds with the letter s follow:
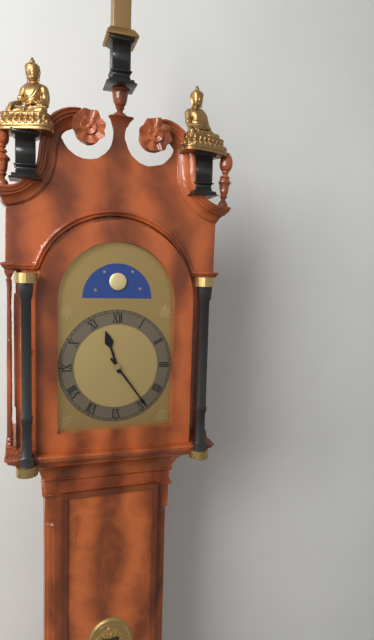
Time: 11h24
